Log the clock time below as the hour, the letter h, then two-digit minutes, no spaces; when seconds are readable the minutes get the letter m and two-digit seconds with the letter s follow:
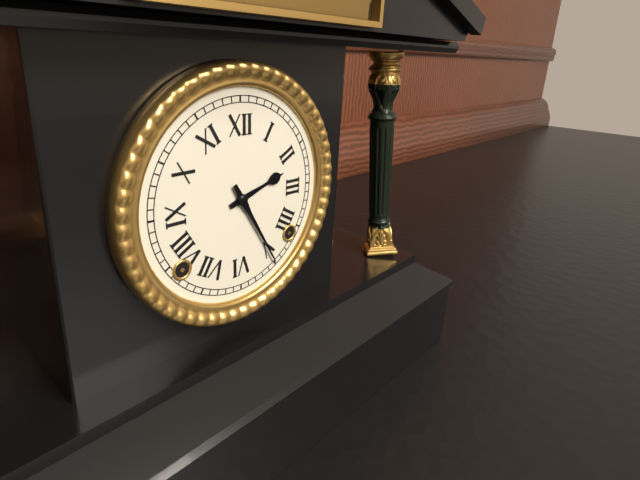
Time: 2h25
